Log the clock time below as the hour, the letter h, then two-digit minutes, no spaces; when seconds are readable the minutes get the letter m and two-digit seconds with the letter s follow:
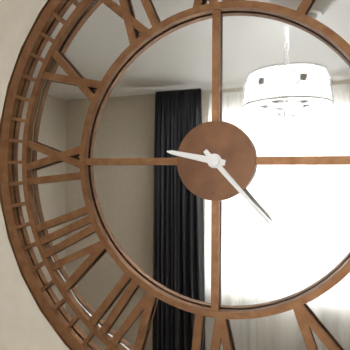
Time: 9h23
